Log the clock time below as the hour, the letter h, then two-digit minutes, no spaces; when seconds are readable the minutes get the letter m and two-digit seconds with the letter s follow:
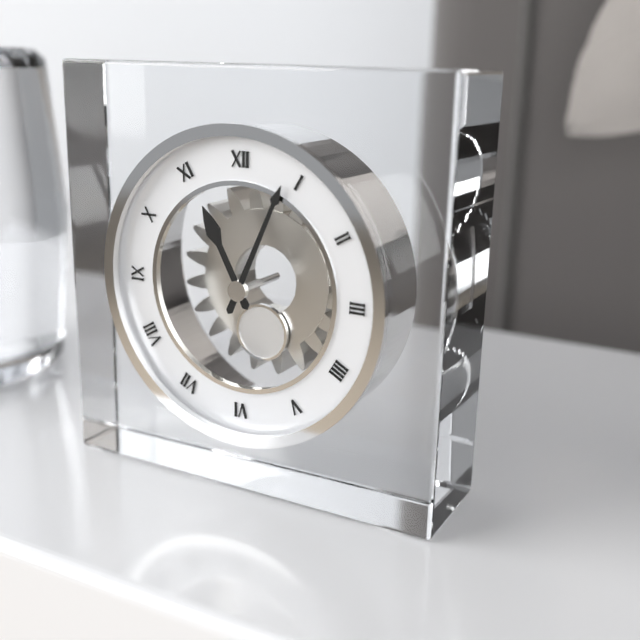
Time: 11h04
